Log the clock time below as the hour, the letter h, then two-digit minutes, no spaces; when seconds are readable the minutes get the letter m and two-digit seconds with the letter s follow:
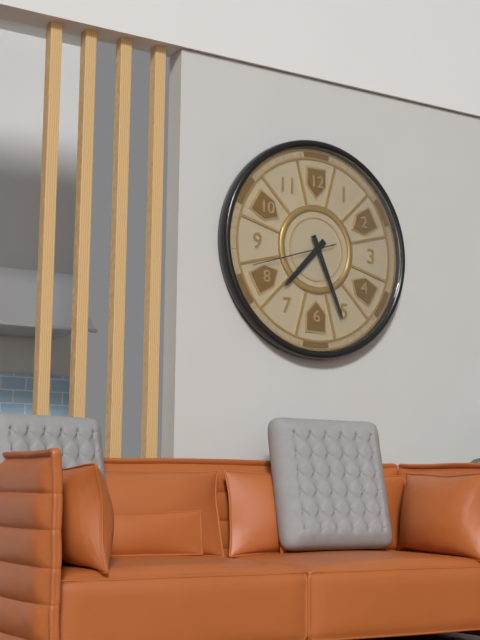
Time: 7h26m42s
